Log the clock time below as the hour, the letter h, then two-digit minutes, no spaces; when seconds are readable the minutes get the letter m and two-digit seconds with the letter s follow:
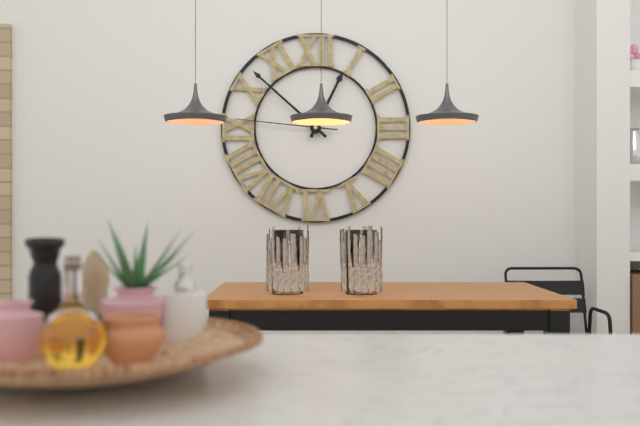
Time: 12h52m46s
